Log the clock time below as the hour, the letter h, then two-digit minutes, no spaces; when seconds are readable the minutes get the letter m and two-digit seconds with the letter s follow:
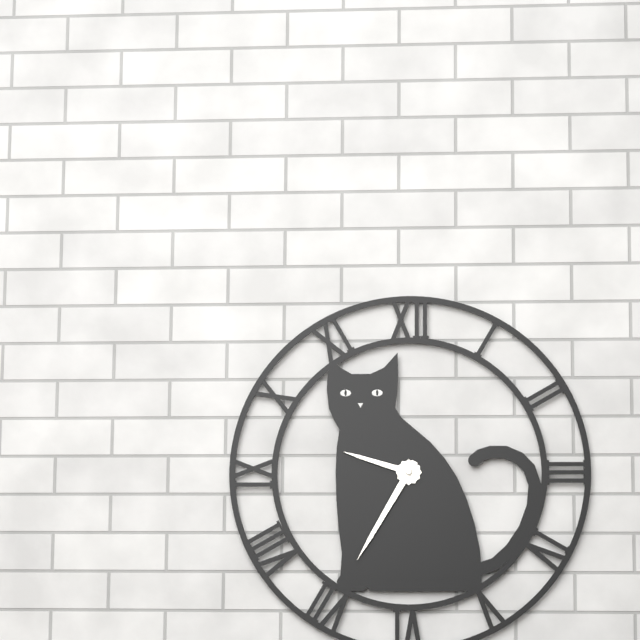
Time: 9h35
